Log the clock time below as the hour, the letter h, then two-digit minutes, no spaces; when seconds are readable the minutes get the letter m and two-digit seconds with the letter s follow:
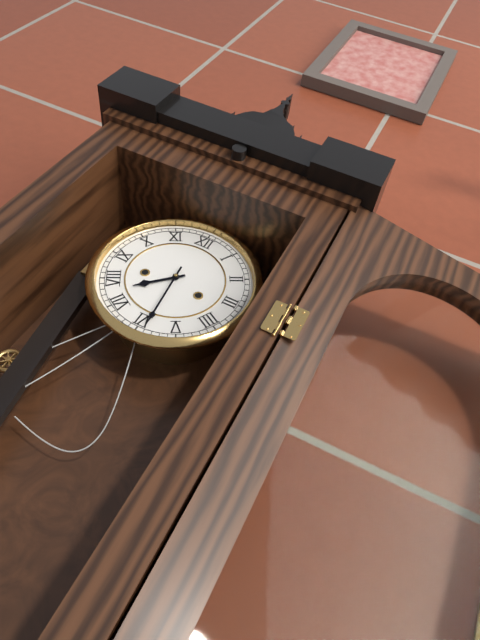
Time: 7h29
